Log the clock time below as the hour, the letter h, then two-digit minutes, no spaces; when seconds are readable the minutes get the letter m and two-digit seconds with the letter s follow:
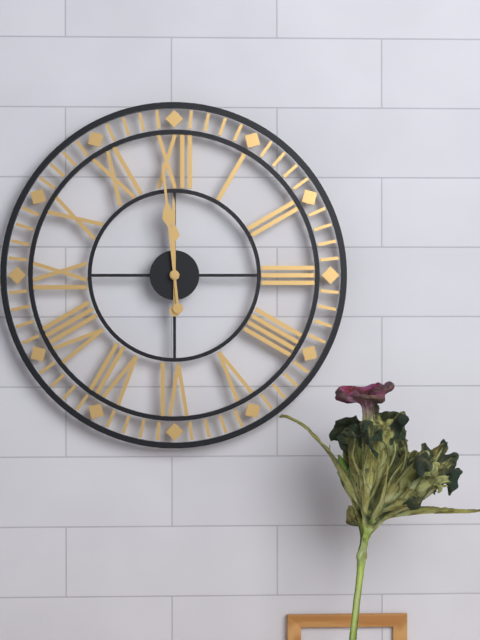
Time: 11h59
